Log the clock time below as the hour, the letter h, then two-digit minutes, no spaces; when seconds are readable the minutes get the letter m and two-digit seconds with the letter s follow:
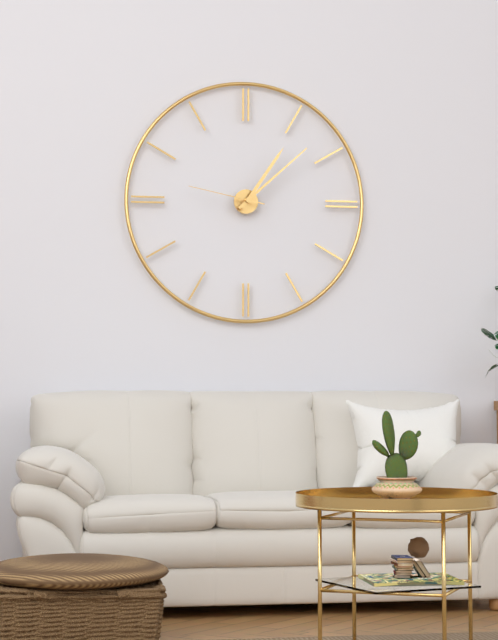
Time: 1h08m47s
